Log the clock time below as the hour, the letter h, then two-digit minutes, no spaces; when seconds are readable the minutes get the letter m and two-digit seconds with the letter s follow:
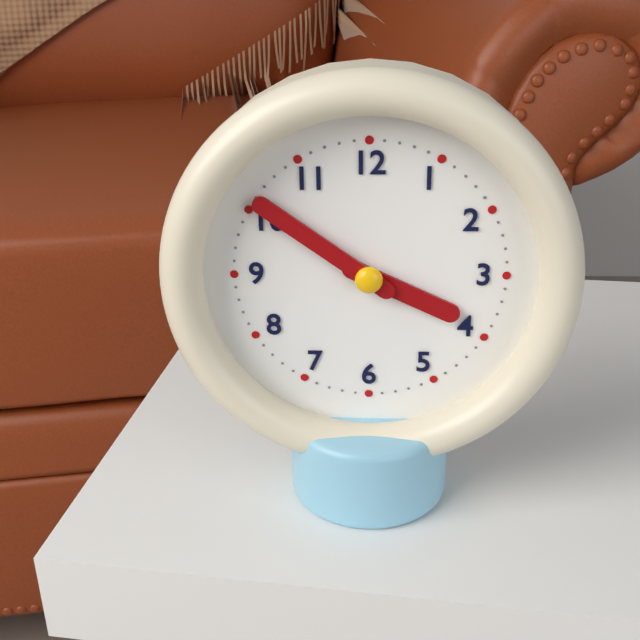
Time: 3h51
